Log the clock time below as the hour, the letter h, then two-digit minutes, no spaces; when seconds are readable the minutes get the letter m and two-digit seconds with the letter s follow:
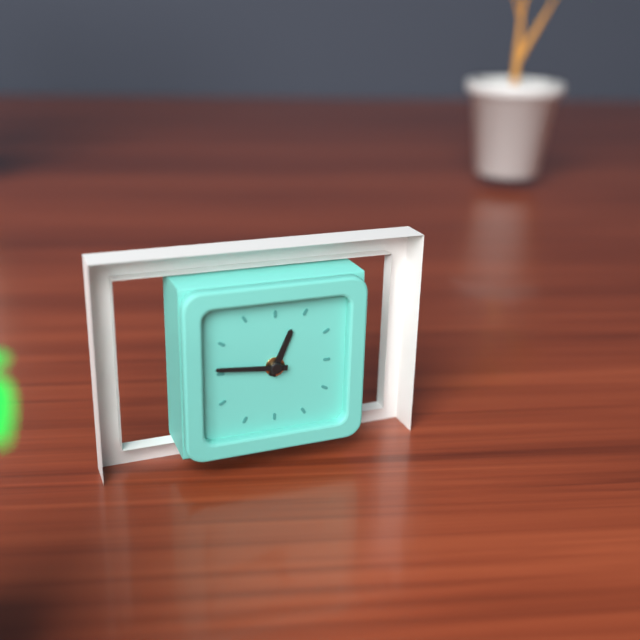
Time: 12h46
